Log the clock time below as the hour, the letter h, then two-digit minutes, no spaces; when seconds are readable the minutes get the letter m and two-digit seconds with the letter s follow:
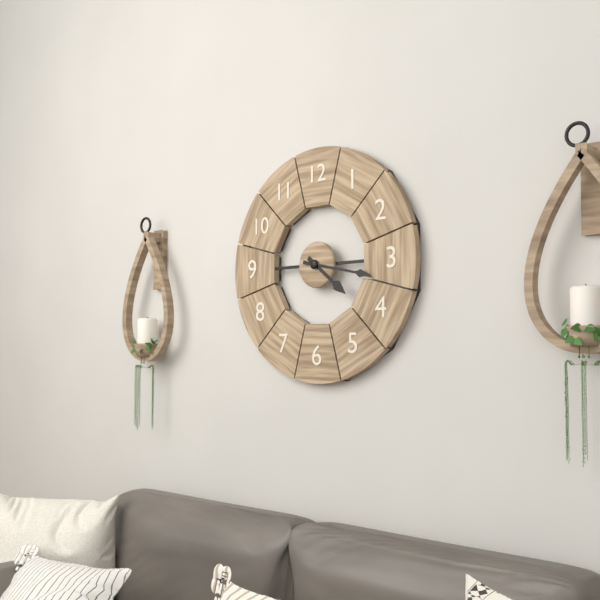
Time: 4h17
